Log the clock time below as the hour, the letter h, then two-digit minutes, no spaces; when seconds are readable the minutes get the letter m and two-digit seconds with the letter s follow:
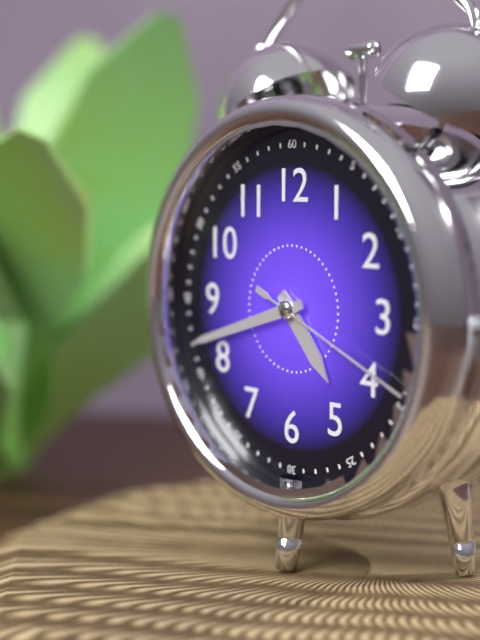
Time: 4h42m19s
